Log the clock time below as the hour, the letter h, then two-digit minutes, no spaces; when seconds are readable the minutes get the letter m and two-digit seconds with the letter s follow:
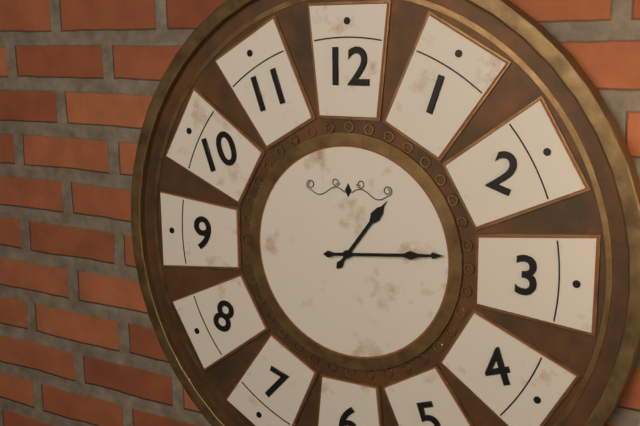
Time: 1h14
